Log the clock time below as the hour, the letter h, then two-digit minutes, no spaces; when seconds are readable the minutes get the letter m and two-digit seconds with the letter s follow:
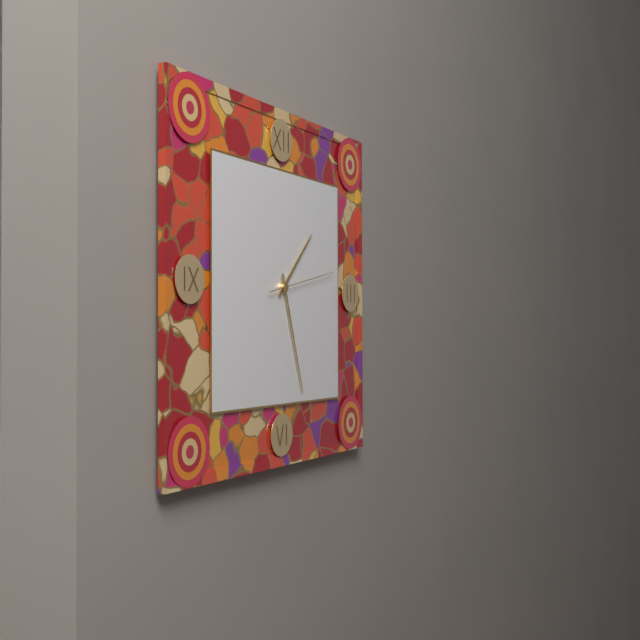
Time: 1h27m13s
